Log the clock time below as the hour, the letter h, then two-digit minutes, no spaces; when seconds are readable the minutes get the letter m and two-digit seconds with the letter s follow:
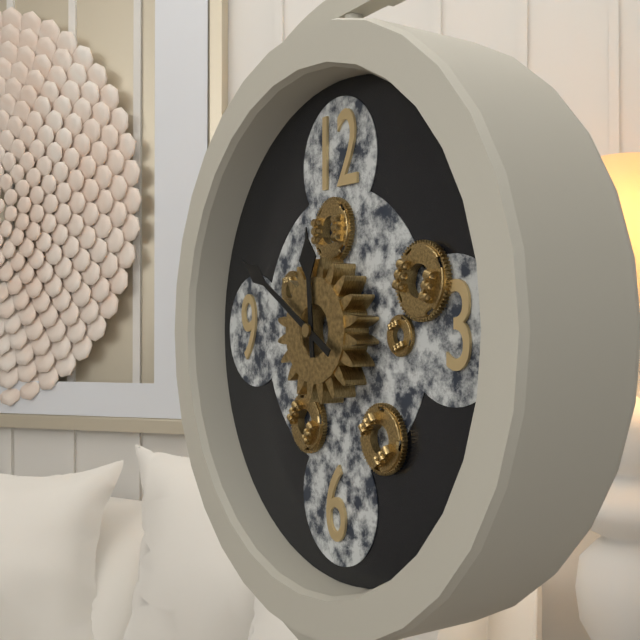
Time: 11h50
